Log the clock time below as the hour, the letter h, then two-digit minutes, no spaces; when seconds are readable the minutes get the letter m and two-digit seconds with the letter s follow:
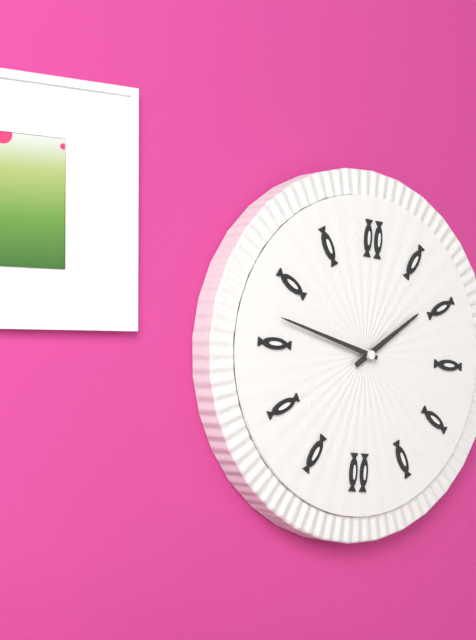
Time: 1h47
